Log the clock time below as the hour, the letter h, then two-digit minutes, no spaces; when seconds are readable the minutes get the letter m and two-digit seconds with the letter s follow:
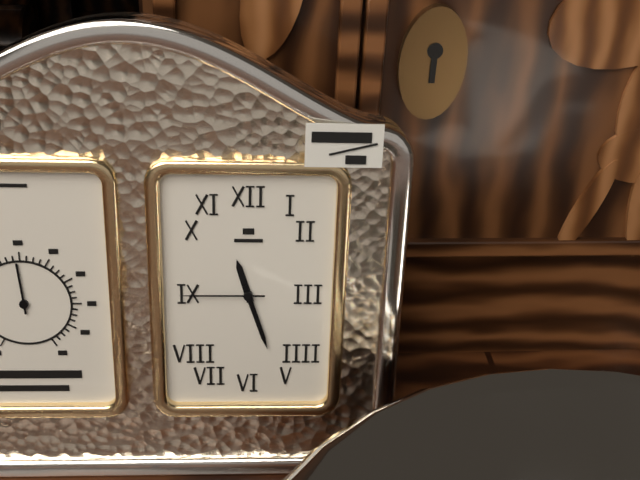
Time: 11h27m45s
